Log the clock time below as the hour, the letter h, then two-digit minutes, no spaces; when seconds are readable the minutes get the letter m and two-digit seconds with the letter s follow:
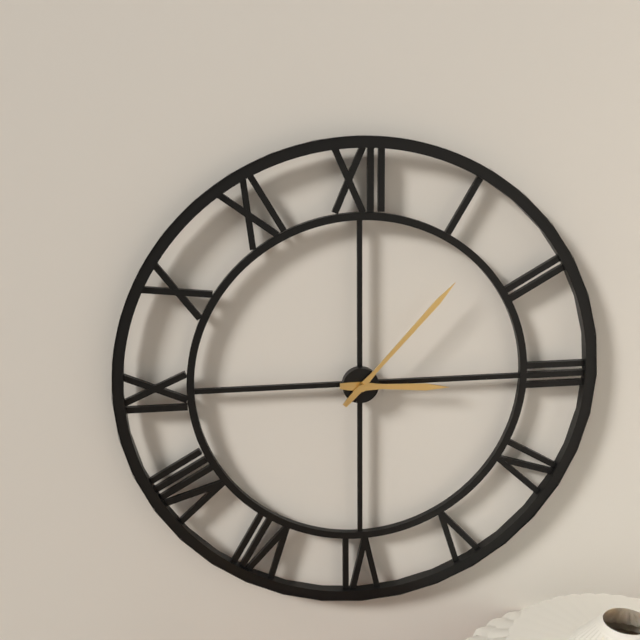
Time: 3h07
